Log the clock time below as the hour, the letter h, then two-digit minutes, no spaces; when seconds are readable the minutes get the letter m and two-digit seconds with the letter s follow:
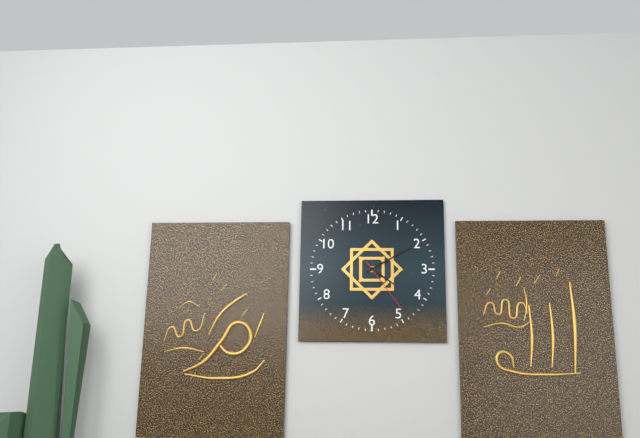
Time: 4h10m24s
